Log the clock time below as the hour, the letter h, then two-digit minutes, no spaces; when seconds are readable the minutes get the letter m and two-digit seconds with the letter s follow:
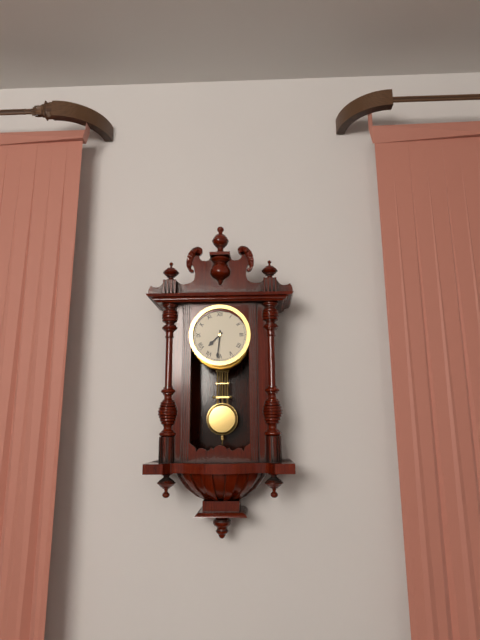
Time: 7h31
